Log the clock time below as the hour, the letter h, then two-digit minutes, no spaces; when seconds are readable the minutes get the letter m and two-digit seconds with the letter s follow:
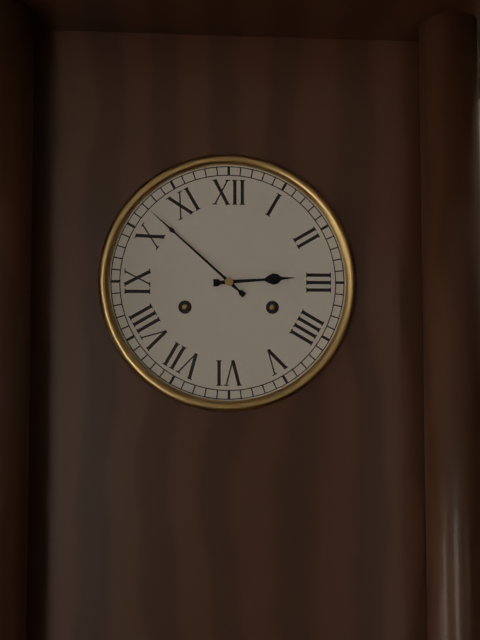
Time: 2h52
